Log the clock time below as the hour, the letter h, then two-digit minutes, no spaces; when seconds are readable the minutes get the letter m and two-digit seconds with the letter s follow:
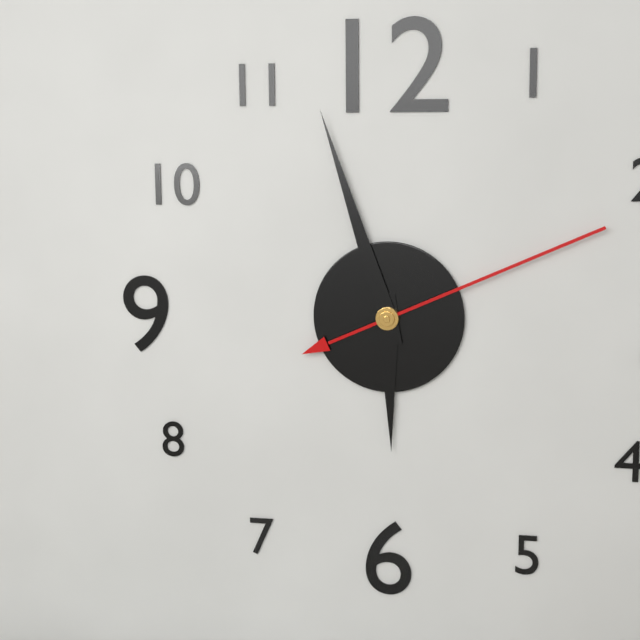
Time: 5h57m11s
